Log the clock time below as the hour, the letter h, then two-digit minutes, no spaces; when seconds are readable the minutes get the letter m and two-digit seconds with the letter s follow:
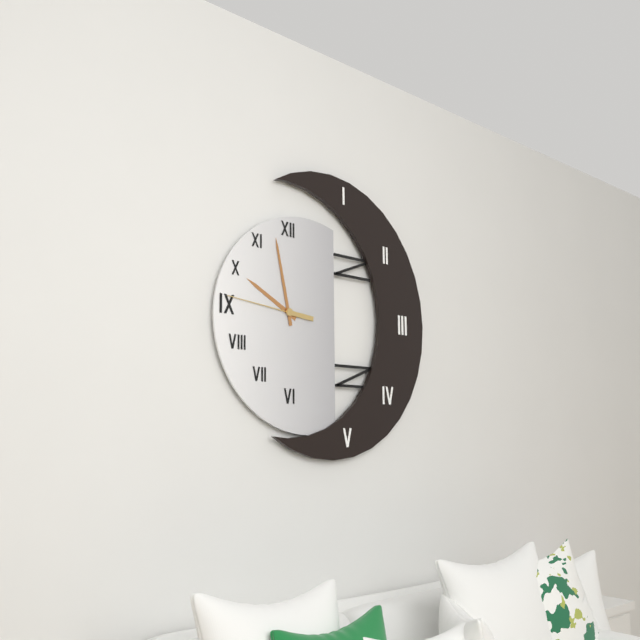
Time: 9h58m46s
